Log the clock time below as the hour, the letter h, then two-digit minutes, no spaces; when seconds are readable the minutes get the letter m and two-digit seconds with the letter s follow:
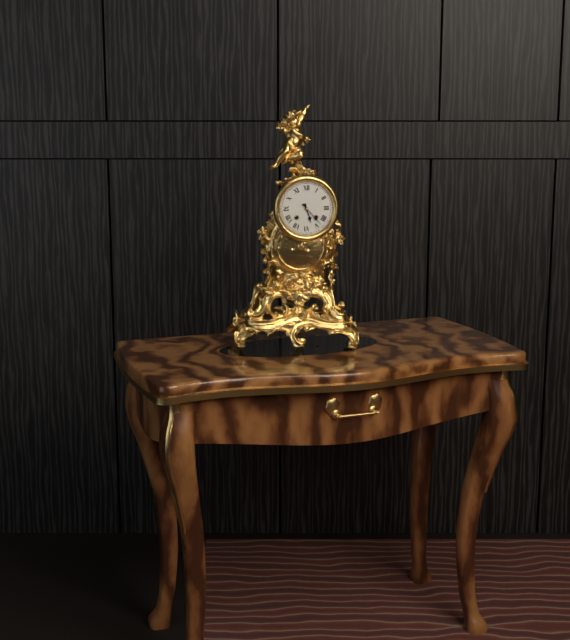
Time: 5h23
